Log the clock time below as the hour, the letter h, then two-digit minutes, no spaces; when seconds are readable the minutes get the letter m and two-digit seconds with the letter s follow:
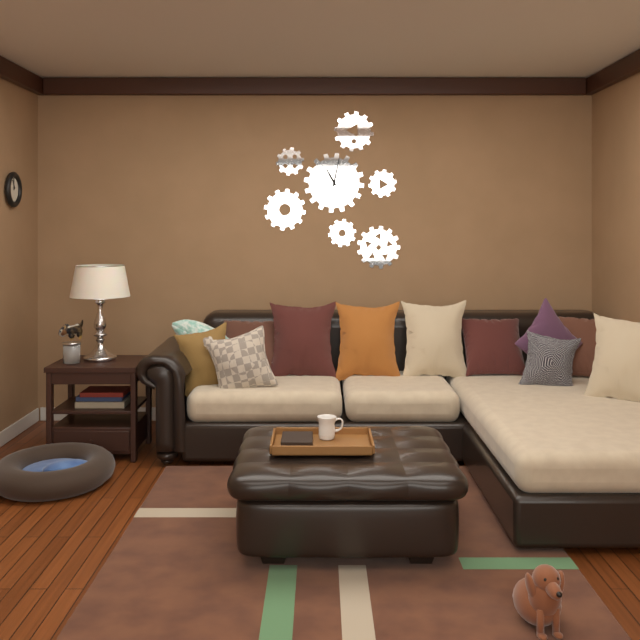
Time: 11h02
